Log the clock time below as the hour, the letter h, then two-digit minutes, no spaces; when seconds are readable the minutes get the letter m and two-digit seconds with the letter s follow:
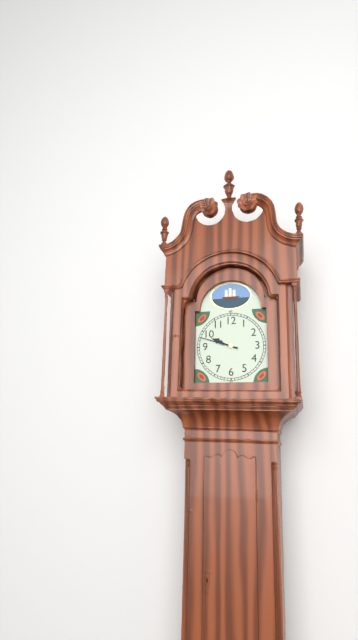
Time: 9h48
